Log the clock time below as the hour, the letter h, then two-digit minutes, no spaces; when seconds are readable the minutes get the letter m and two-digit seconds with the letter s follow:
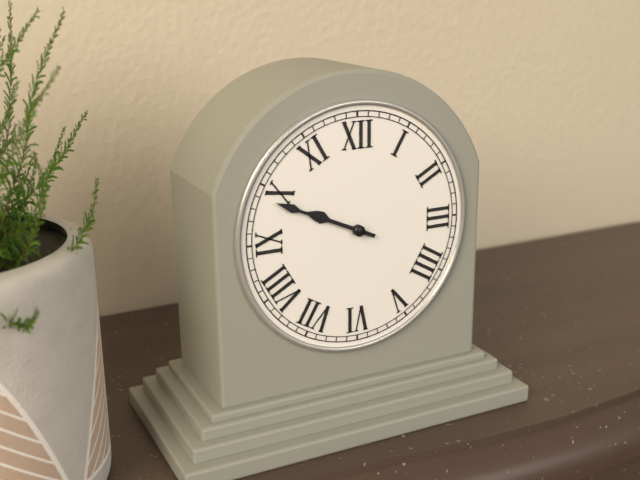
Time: 9h49
